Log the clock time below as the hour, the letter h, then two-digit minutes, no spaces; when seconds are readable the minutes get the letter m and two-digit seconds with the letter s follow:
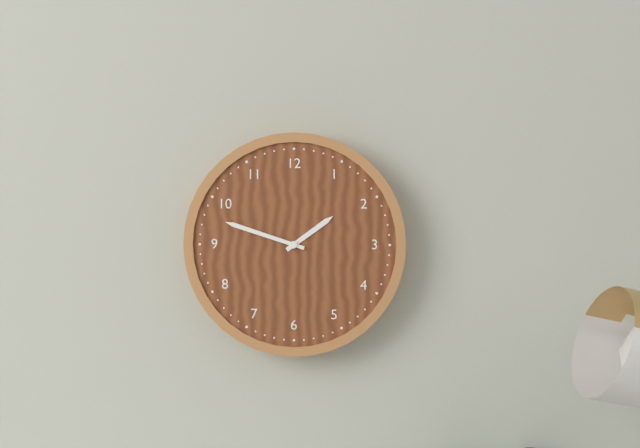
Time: 1h48
